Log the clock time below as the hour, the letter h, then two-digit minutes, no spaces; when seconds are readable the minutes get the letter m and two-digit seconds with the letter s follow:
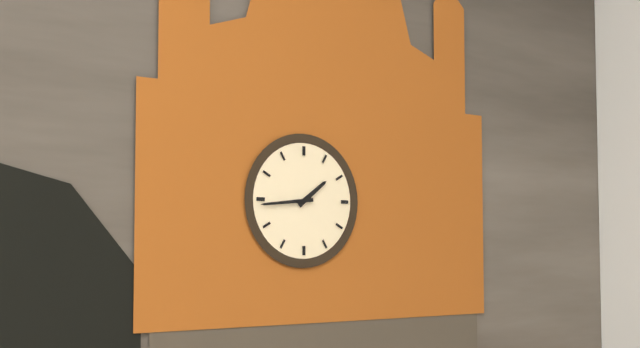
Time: 1h44
